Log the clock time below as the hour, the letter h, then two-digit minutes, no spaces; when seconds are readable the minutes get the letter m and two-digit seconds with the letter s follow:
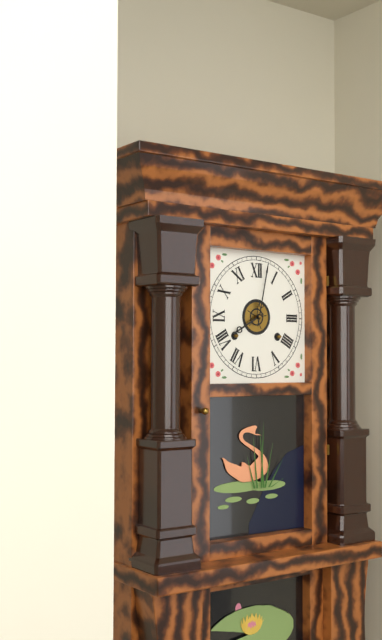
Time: 8h02
